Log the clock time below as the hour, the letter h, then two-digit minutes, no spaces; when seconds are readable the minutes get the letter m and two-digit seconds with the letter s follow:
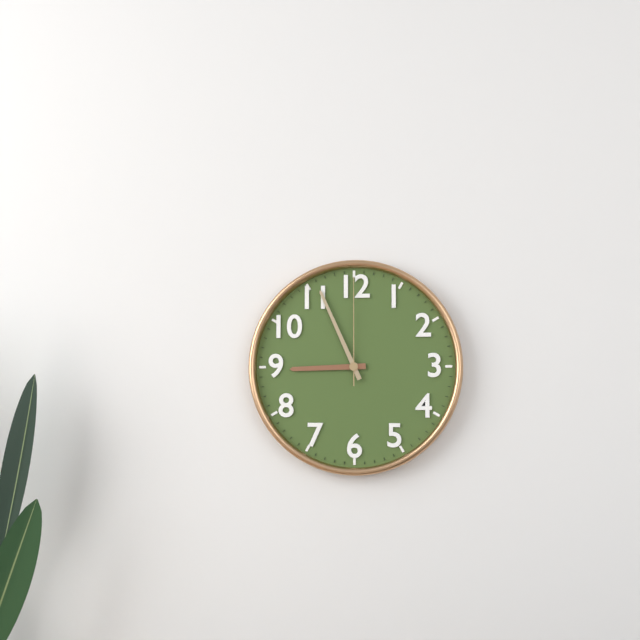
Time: 8h56m00s
